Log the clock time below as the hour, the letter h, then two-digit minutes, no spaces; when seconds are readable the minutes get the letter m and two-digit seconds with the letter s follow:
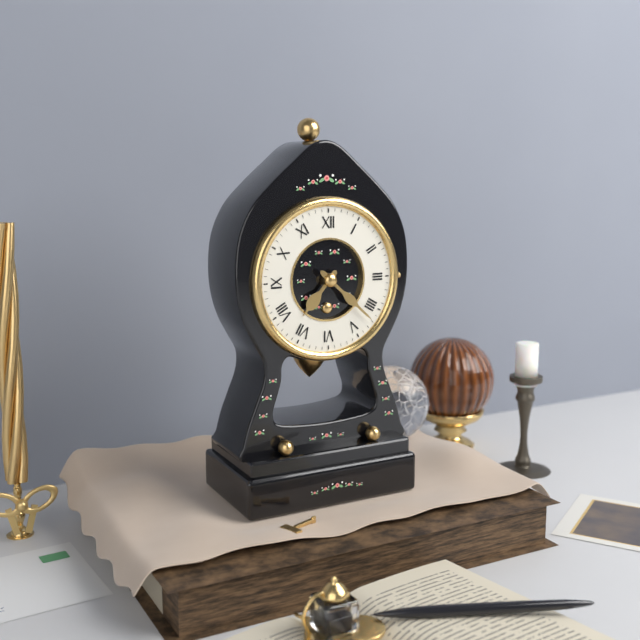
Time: 7h22
